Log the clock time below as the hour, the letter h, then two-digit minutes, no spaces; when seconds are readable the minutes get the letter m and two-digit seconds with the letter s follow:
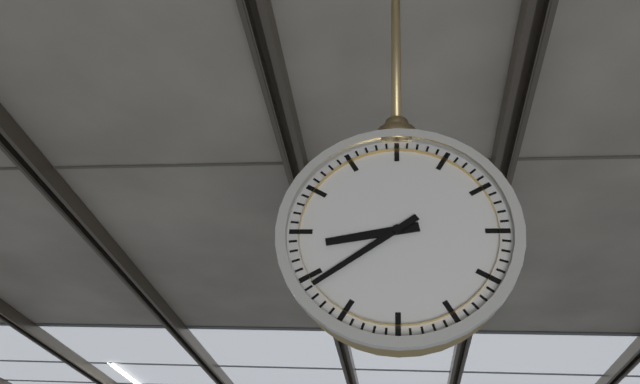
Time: 8h39
